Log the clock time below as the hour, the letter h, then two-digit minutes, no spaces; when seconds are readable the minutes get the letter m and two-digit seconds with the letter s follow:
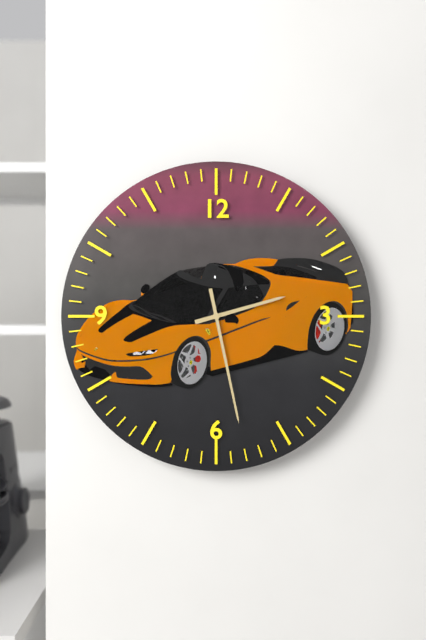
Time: 2h28
